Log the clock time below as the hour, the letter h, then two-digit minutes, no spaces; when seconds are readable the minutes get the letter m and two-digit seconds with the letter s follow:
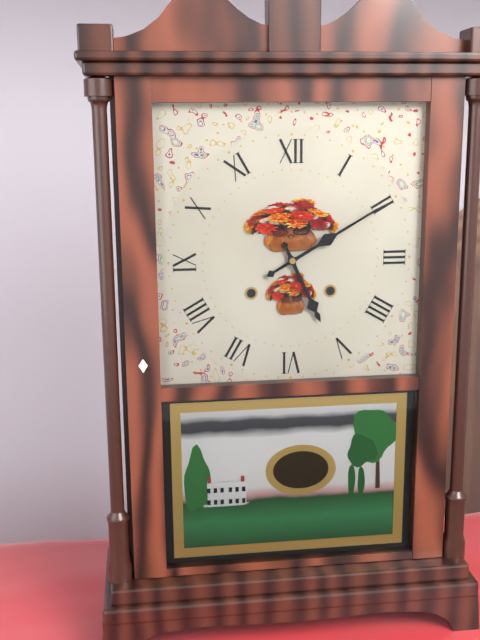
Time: 5h10
